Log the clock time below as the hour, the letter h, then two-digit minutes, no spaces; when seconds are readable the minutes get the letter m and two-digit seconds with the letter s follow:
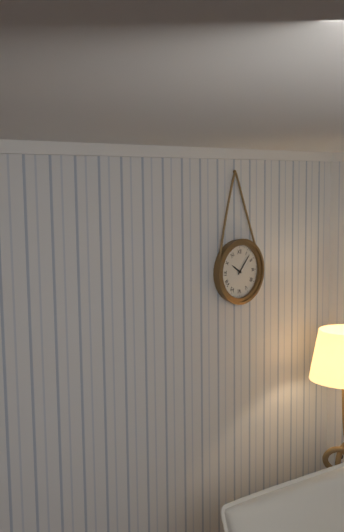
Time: 10h07
